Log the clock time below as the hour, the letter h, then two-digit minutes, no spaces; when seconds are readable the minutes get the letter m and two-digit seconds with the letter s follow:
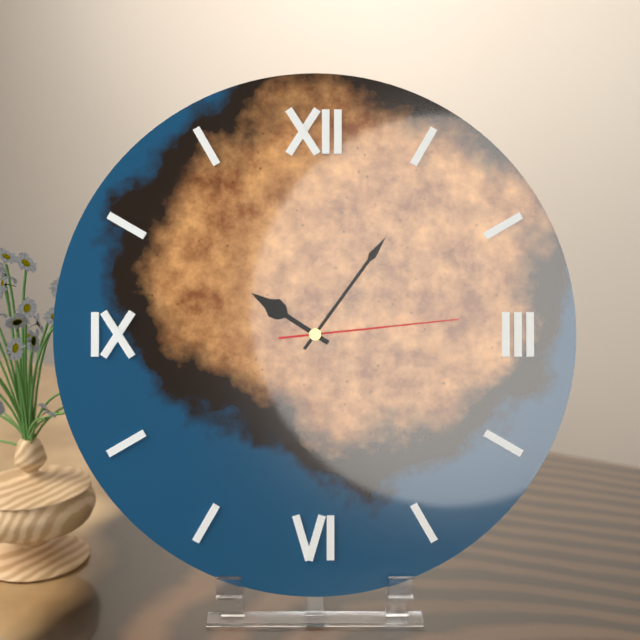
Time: 10h06m14s
